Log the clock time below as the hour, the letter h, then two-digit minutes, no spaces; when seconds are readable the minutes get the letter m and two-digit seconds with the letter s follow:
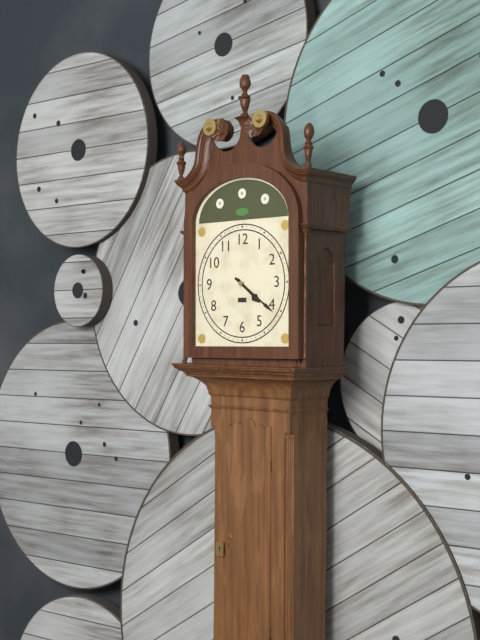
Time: 4h21
